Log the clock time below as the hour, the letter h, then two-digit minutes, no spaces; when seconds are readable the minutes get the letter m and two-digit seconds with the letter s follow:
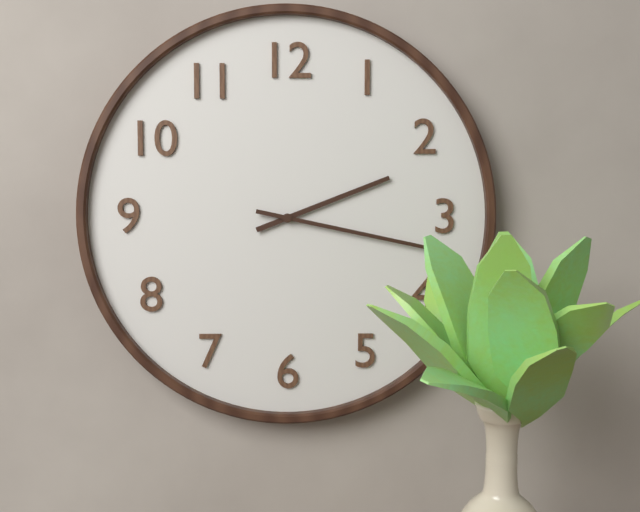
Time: 2h17
